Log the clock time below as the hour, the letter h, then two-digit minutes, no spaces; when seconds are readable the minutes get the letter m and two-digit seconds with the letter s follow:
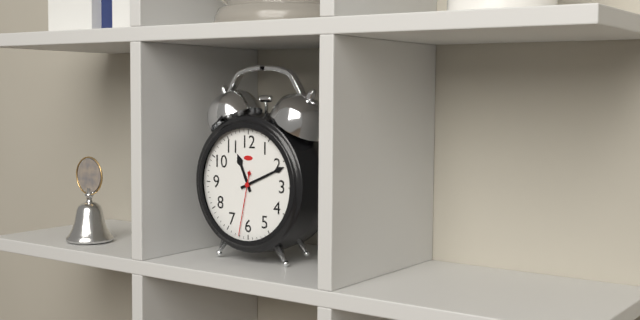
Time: 11h11m32s
